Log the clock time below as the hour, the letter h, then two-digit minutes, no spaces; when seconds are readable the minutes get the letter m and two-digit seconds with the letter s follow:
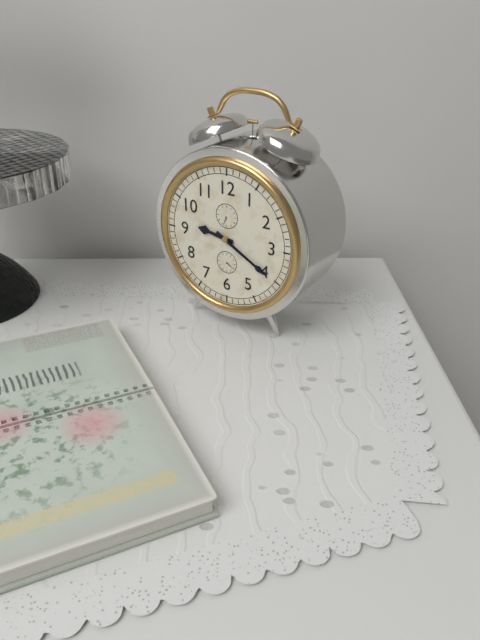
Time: 9h20
